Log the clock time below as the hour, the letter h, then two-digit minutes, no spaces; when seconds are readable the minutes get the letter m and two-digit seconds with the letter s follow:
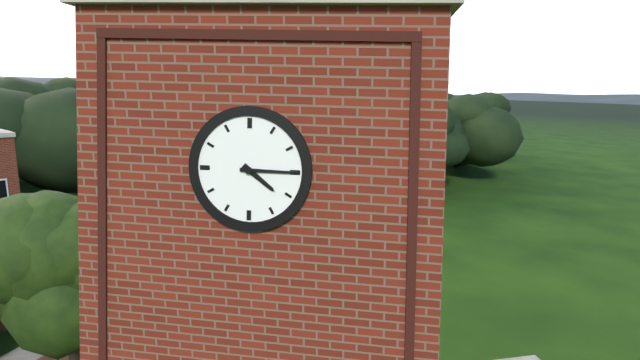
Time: 4h15
